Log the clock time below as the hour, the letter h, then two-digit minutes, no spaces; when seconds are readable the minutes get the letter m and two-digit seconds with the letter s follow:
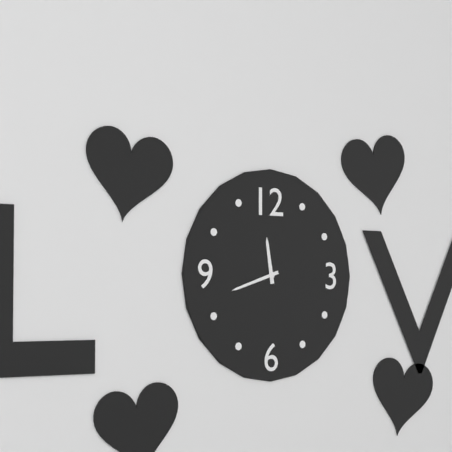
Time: 11h42
